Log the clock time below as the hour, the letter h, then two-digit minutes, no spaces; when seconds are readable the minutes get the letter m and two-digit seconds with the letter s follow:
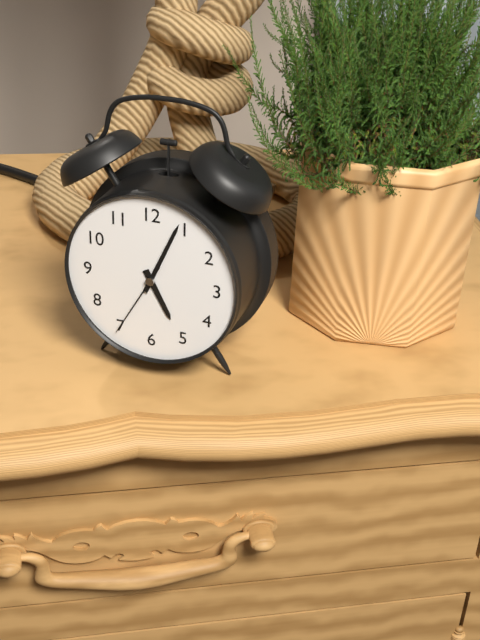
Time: 5h04m35s
